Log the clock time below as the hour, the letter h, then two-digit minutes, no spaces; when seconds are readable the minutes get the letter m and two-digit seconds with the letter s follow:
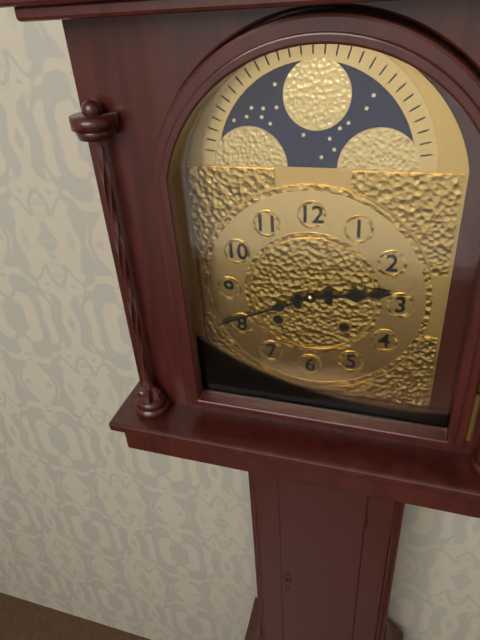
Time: 2h41
